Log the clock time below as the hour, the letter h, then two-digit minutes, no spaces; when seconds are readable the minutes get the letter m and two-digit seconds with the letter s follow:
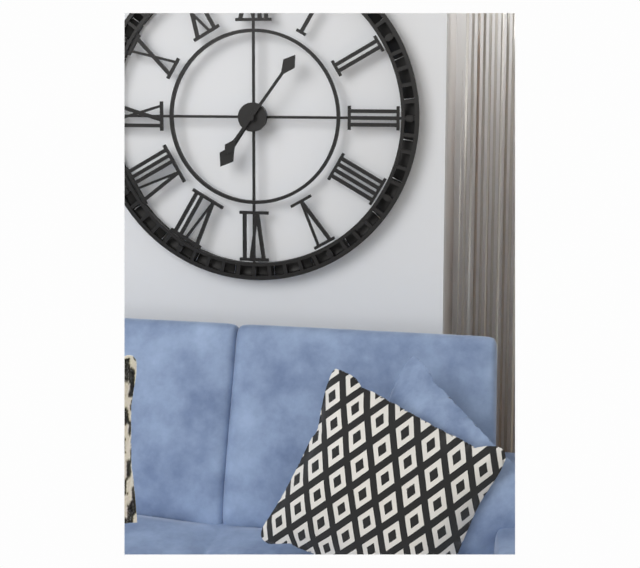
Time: 7h06
